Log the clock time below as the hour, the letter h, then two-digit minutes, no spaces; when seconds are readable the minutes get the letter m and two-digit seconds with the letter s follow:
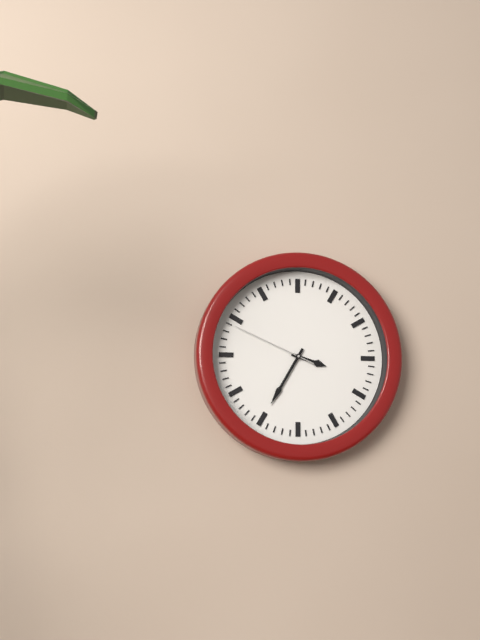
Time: 3h35m49s
